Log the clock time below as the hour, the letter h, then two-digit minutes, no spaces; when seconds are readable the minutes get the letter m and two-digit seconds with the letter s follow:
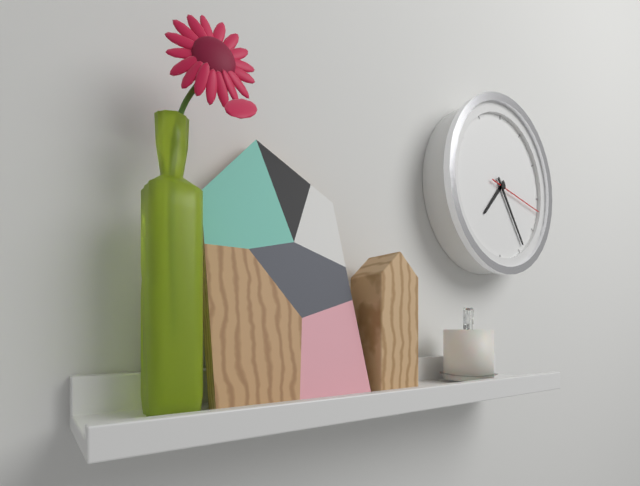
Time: 7h24m17s
